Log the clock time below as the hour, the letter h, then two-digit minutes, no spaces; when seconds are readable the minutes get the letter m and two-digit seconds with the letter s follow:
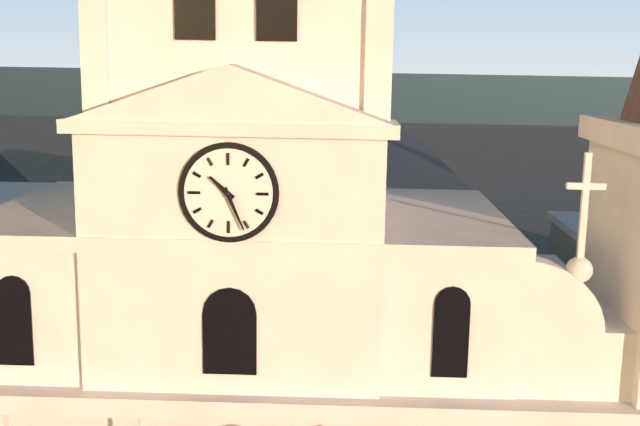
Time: 10h26
